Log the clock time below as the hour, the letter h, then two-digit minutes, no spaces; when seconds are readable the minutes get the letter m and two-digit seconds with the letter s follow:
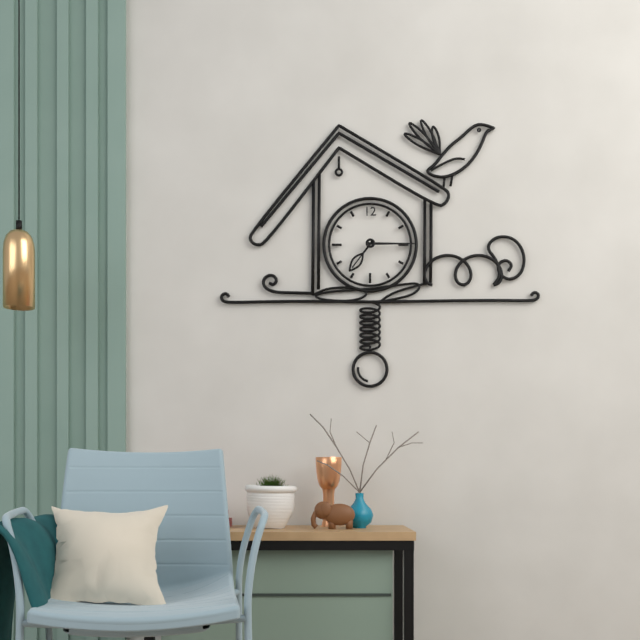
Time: 7h15
